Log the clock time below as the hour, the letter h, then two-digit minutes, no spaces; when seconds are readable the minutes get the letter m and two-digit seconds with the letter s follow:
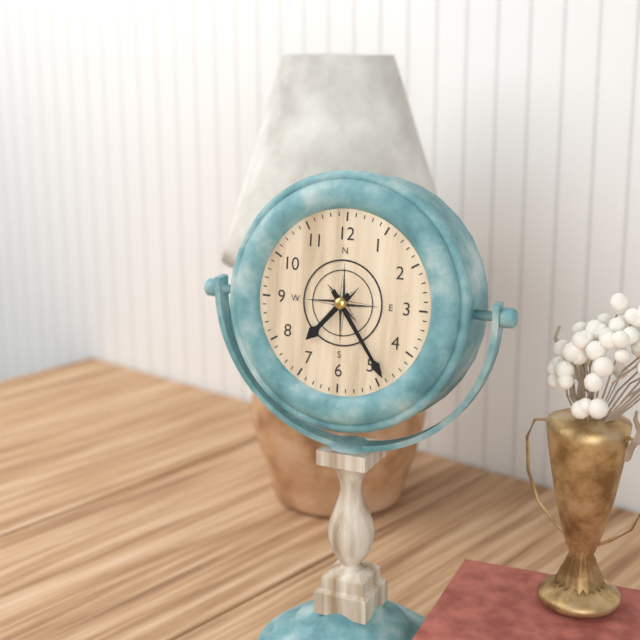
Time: 7h24
